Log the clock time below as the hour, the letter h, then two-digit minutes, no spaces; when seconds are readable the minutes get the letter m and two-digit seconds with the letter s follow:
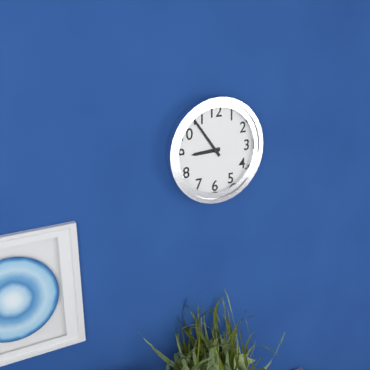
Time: 8h54
